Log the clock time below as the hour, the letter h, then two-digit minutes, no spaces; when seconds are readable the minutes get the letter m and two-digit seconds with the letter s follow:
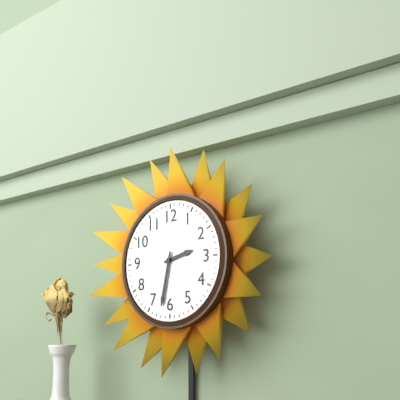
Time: 2h32
